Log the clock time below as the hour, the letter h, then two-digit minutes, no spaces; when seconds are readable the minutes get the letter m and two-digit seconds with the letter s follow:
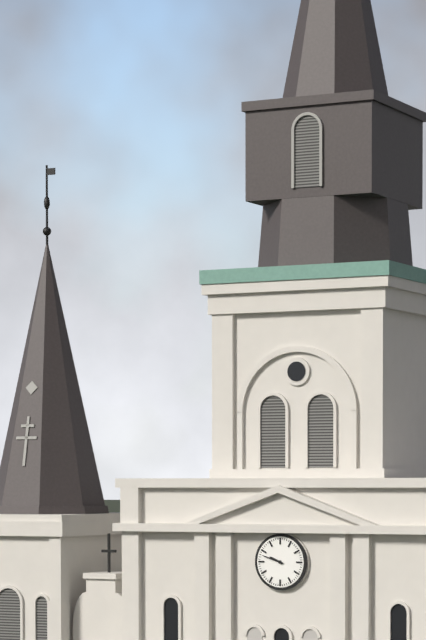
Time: 9h48
